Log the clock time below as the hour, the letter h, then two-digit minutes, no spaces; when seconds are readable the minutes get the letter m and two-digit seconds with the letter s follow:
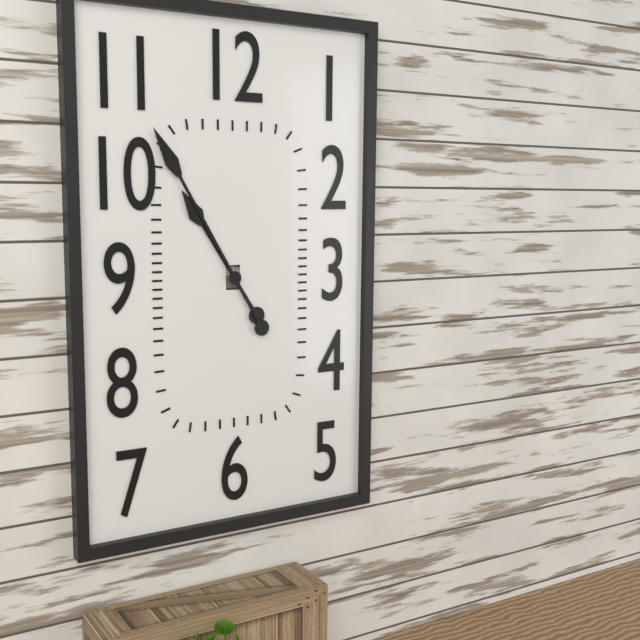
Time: 10h55
